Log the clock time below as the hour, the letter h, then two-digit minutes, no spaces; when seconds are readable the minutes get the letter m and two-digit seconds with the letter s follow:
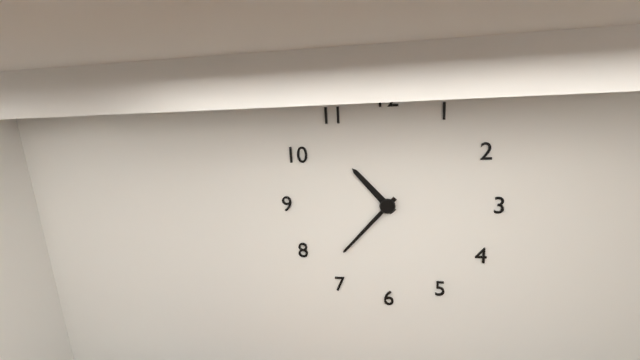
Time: 10h37
